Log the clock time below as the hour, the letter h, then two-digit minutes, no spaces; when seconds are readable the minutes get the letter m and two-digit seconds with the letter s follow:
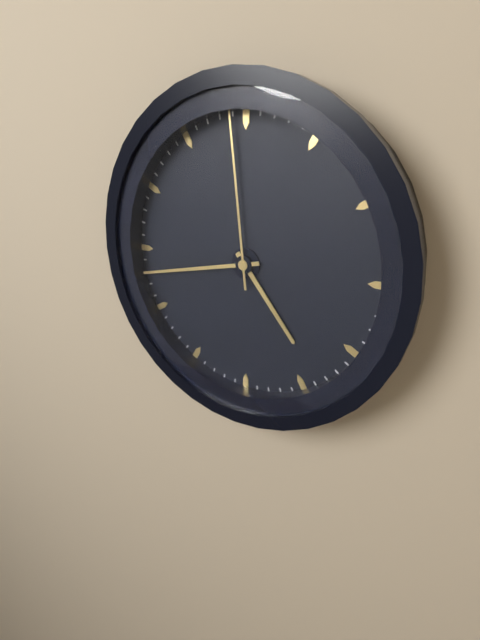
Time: 4h43m59s
